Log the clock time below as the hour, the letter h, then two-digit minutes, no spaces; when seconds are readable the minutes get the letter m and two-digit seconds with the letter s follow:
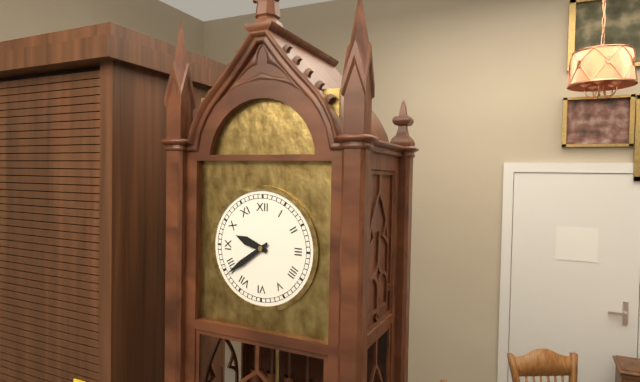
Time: 9h39
